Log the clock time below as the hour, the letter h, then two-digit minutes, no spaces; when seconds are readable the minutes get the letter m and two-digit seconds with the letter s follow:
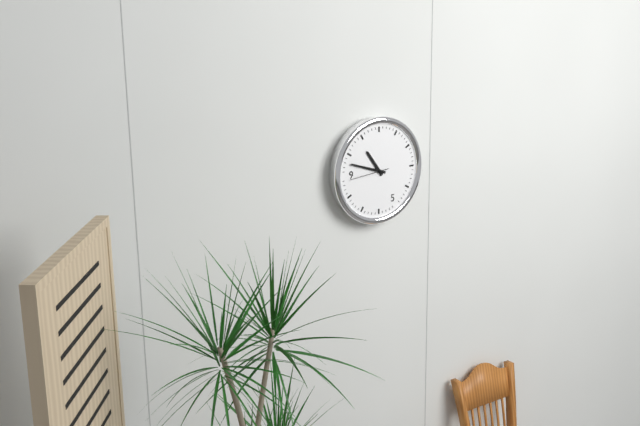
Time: 10h48
